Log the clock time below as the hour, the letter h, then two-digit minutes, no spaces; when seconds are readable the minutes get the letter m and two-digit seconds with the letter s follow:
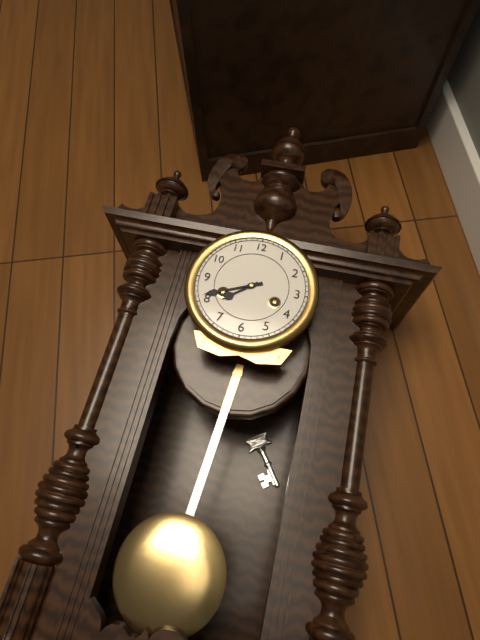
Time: 7h41
